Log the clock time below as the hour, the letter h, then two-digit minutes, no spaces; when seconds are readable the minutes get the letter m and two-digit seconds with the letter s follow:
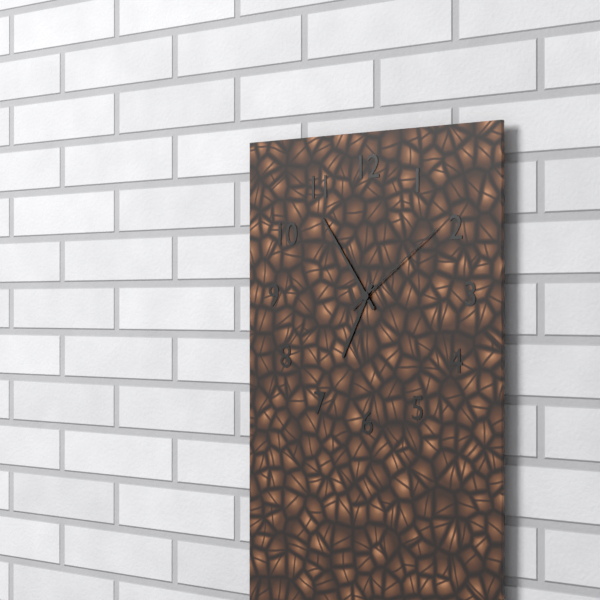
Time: 6h54m09s
